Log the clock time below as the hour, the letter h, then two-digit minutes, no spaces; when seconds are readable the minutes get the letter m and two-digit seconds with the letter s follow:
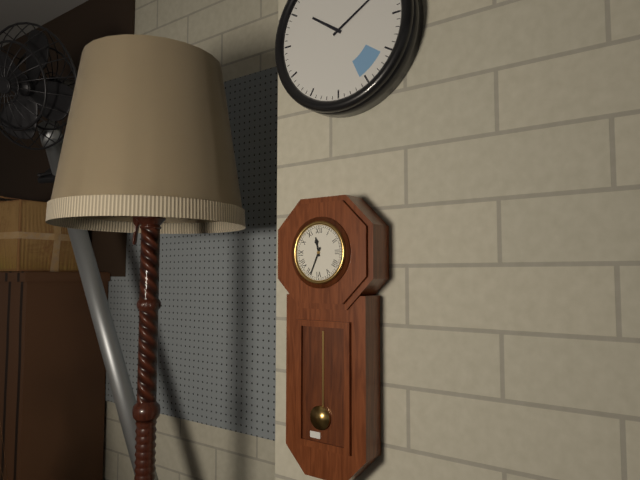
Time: 11h34
